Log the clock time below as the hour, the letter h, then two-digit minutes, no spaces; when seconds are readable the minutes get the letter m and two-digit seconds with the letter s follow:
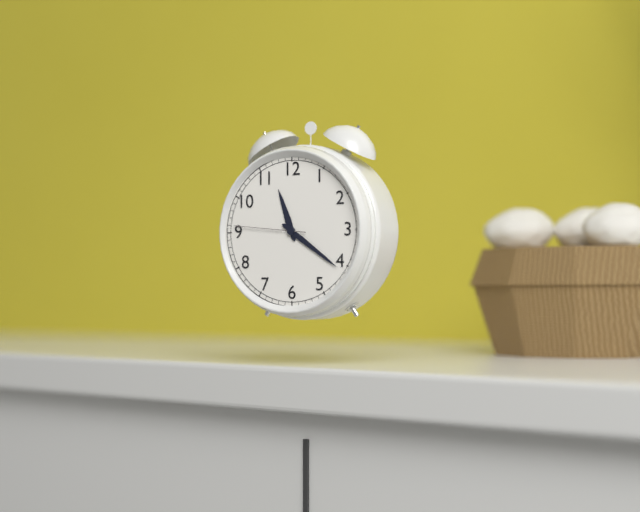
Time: 11h21m46s
